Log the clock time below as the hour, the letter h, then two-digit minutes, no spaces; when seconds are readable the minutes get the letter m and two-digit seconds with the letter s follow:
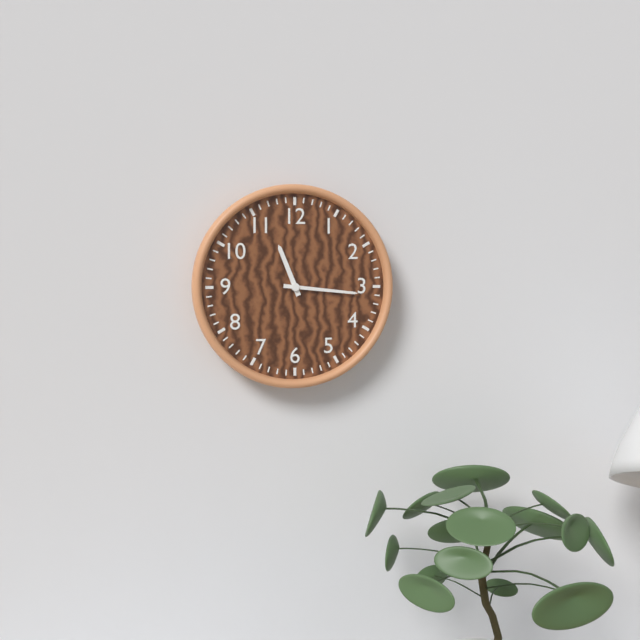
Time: 11h16
